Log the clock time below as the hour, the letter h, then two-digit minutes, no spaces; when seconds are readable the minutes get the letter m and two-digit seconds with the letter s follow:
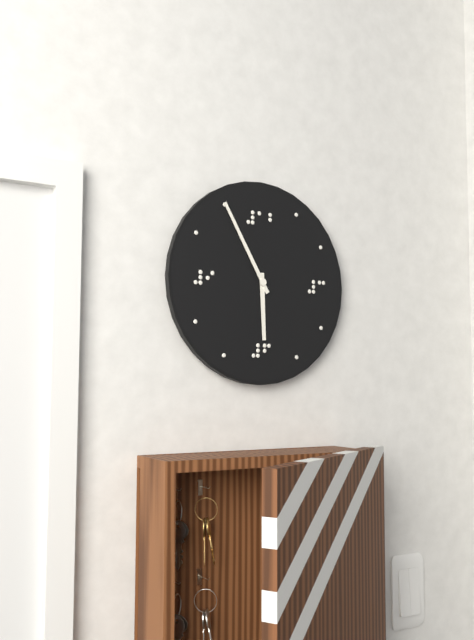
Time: 5h55
